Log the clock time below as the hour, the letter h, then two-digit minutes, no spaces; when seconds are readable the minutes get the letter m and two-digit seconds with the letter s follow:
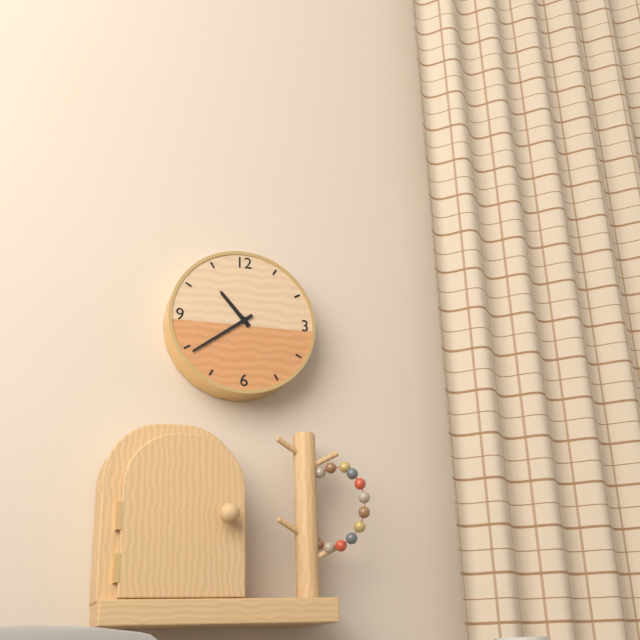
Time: 10h39
